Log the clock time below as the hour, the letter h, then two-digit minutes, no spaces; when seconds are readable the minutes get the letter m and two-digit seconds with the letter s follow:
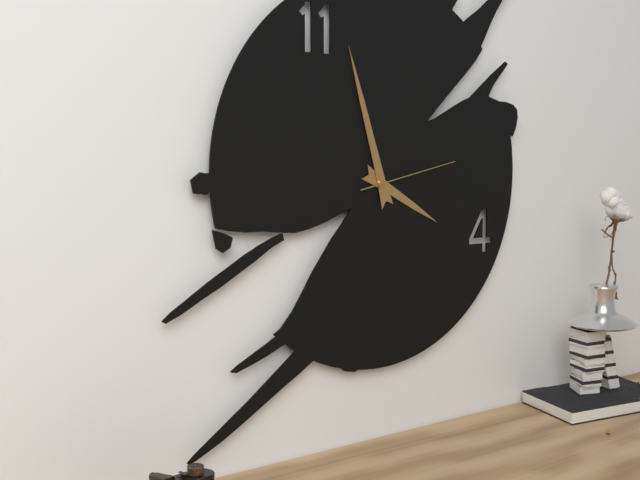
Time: 3h57m13s
